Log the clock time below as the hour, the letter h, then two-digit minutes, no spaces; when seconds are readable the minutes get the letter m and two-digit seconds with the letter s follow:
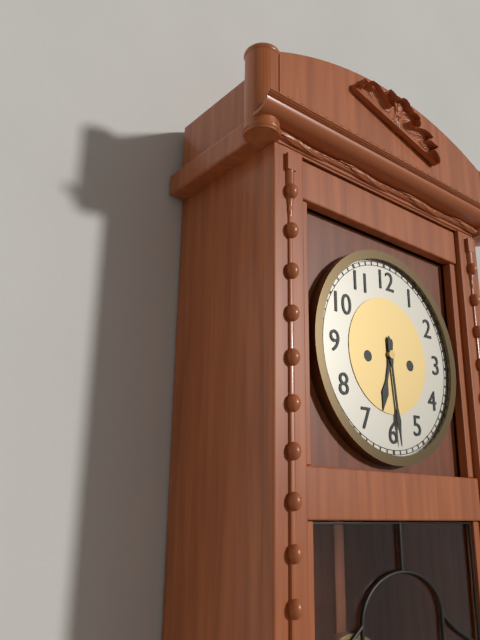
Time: 6h29
